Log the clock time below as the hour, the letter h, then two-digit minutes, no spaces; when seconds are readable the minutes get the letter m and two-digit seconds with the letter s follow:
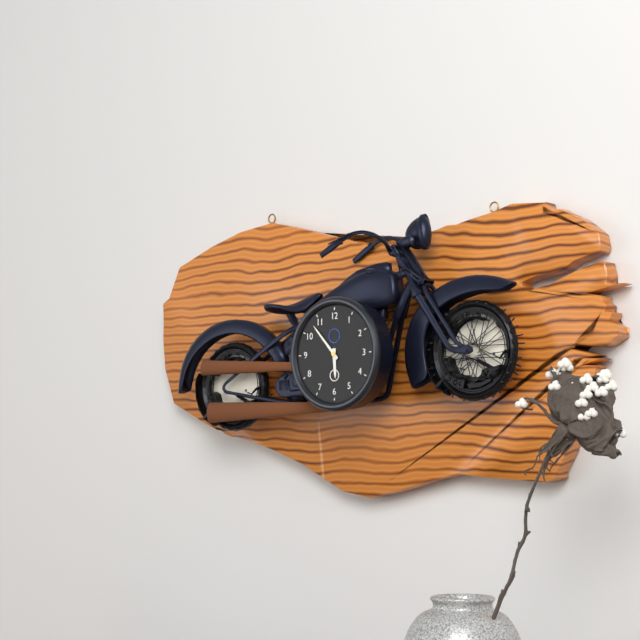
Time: 5h53
